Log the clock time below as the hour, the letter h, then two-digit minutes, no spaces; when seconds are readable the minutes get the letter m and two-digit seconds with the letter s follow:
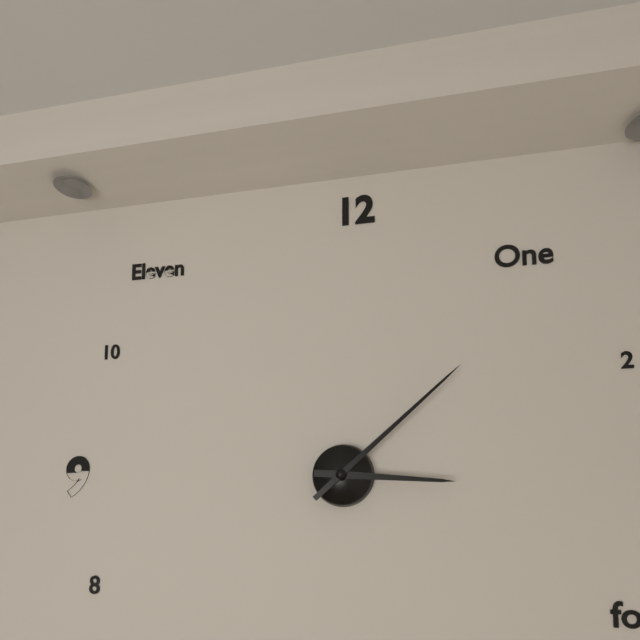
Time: 3h08
